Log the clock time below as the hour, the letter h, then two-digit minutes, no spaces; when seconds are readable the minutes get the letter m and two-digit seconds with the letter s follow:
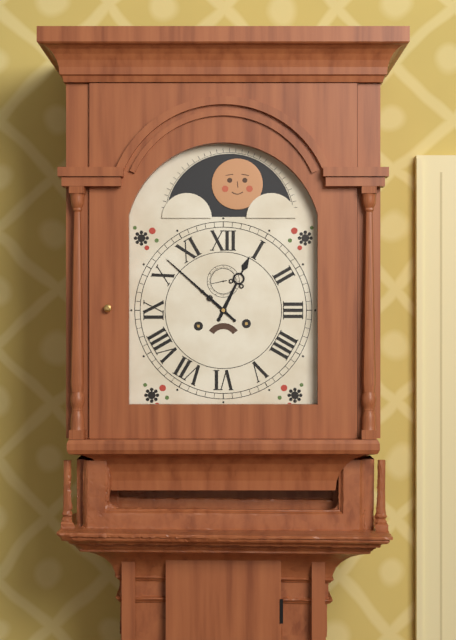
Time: 12h52
